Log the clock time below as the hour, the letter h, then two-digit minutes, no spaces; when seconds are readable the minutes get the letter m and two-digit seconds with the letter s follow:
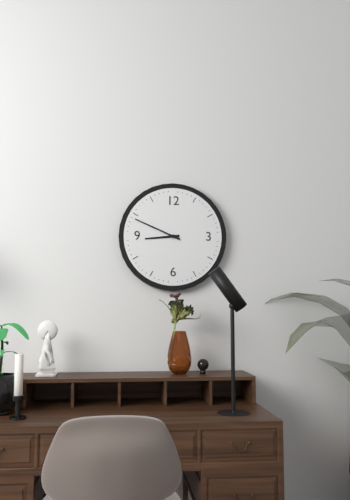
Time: 8h49
